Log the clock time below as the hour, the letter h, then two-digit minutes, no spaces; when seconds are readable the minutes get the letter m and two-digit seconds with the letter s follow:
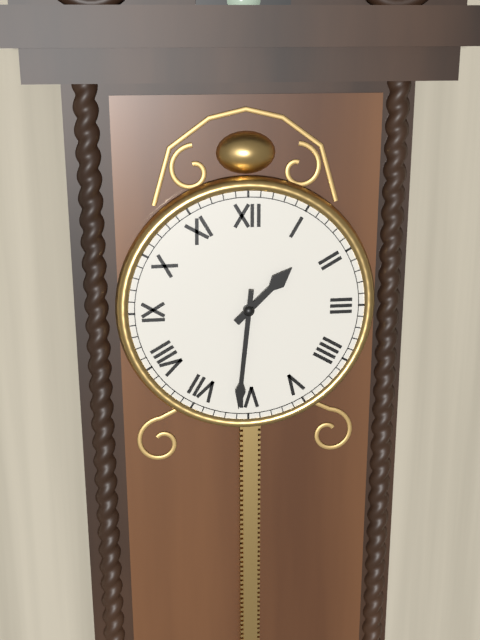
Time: 1h31
